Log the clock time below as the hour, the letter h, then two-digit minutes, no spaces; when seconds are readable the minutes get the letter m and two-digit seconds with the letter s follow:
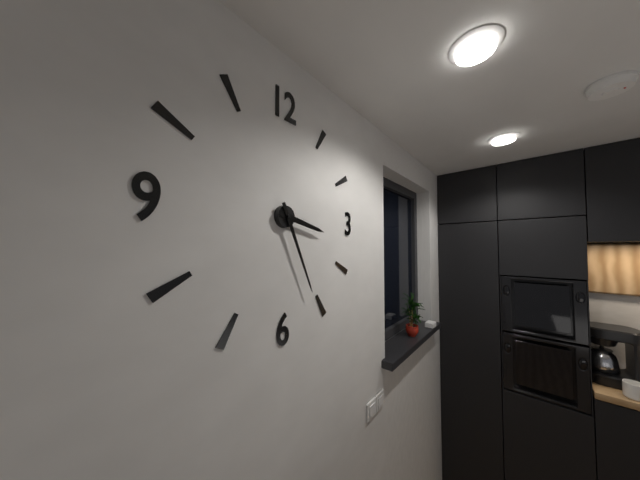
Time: 3h26
